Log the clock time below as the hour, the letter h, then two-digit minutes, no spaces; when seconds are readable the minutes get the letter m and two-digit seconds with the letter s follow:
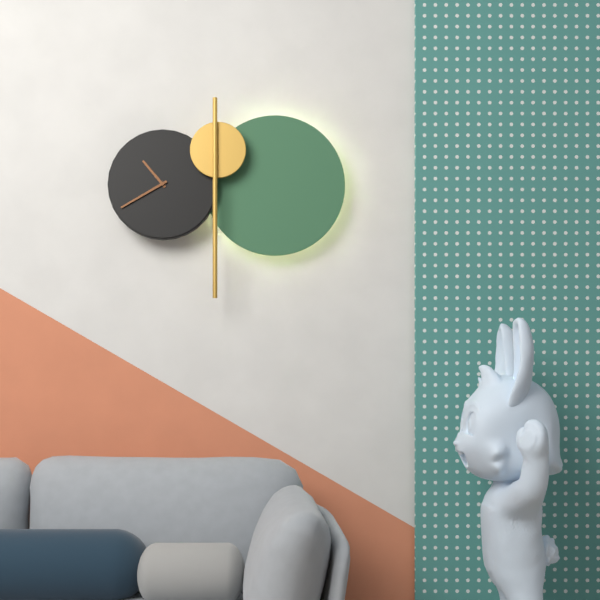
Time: 10h40
